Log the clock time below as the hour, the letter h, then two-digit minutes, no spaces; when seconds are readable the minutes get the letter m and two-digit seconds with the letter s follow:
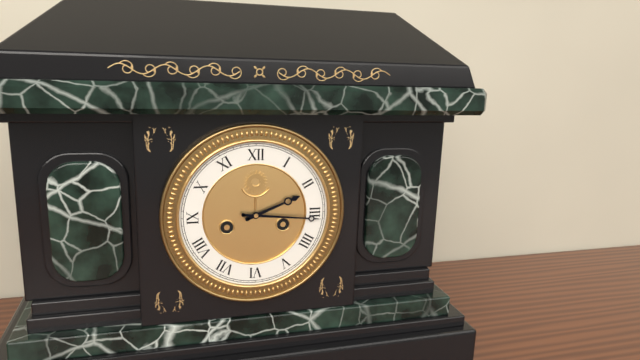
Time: 2h16
